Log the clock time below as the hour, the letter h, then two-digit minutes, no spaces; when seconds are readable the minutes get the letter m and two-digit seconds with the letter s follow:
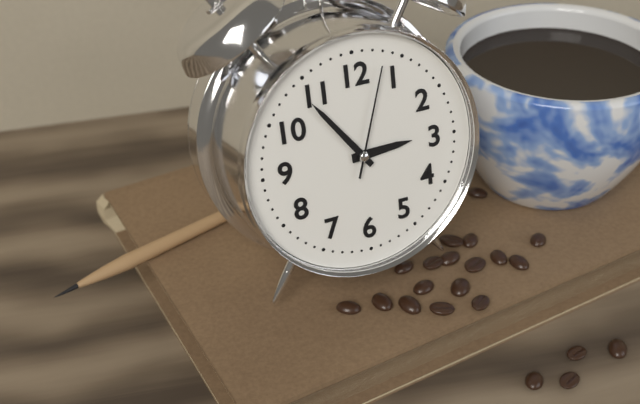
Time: 2h54m03s
